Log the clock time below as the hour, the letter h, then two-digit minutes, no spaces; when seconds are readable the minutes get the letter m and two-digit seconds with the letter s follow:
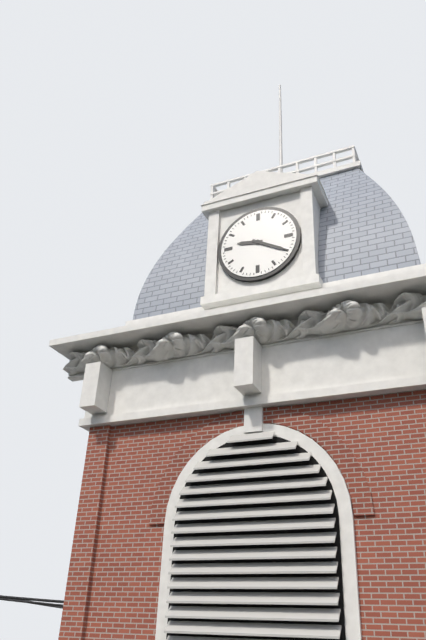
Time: 9h20
